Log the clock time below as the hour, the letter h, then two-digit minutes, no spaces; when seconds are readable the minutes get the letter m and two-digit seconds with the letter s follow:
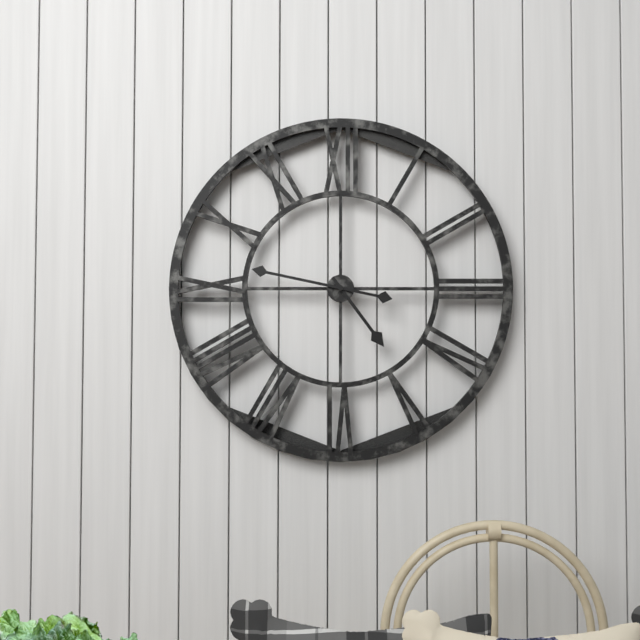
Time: 4h47
